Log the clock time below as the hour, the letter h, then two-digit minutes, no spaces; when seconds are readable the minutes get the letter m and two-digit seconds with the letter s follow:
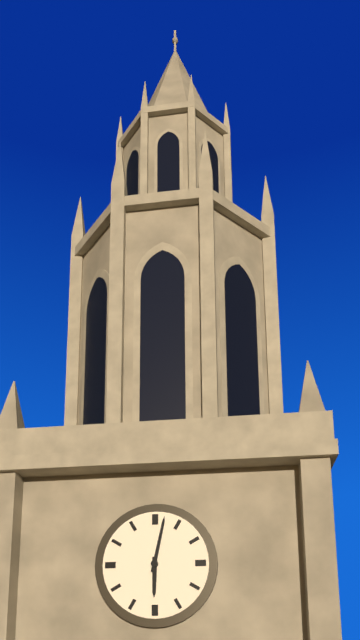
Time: 6h02
